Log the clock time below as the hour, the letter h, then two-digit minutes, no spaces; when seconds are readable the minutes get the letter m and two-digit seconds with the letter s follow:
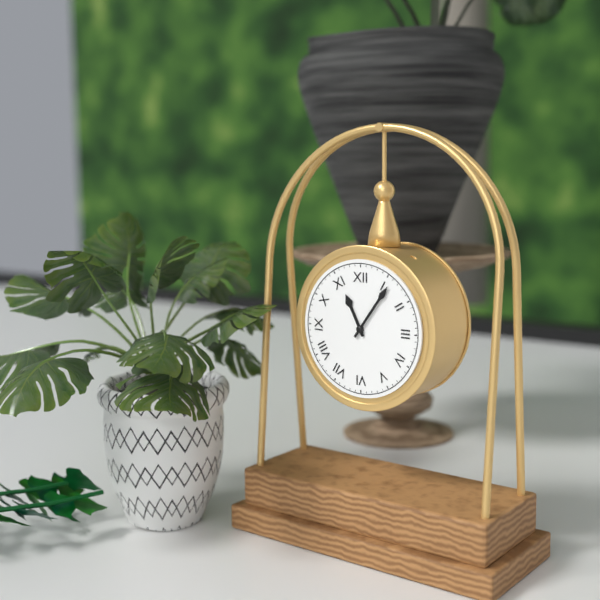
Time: 11h06
